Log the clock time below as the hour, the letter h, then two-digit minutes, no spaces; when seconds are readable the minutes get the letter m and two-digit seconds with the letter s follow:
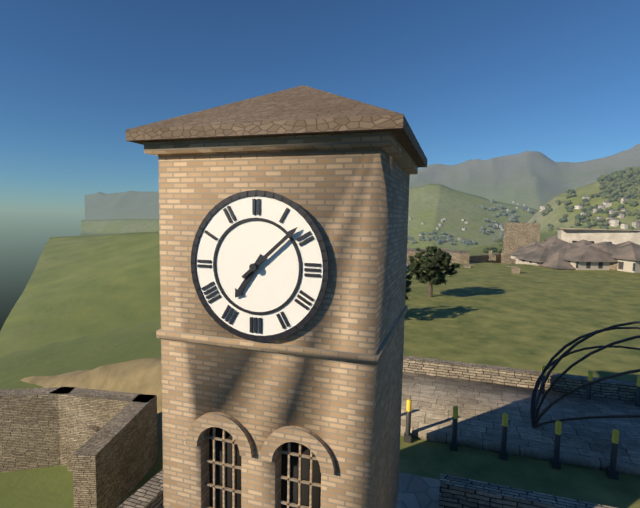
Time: 7h08
